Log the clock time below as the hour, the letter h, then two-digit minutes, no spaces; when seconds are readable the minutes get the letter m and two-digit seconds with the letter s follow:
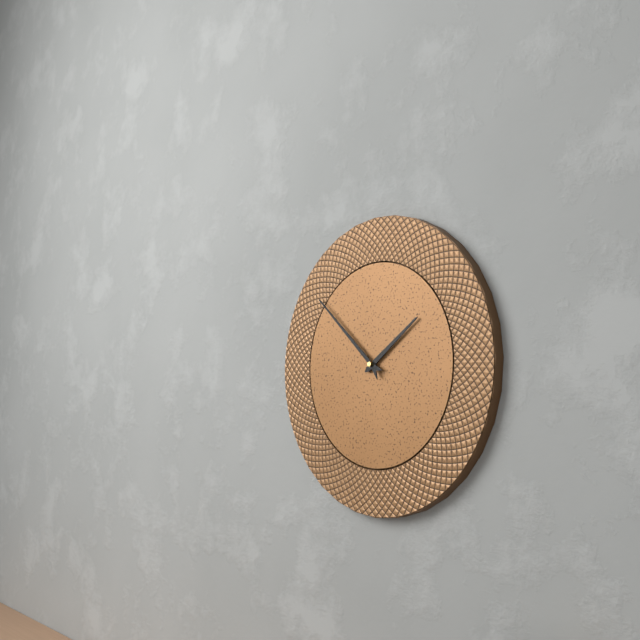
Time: 1h52
